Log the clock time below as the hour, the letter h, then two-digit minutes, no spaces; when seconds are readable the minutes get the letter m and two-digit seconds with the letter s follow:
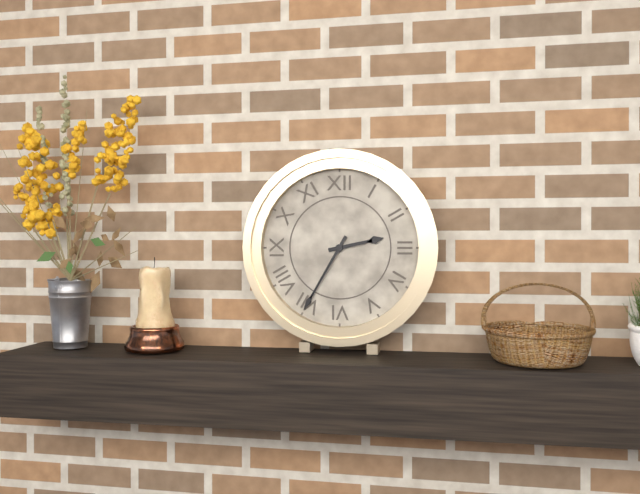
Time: 2h35
